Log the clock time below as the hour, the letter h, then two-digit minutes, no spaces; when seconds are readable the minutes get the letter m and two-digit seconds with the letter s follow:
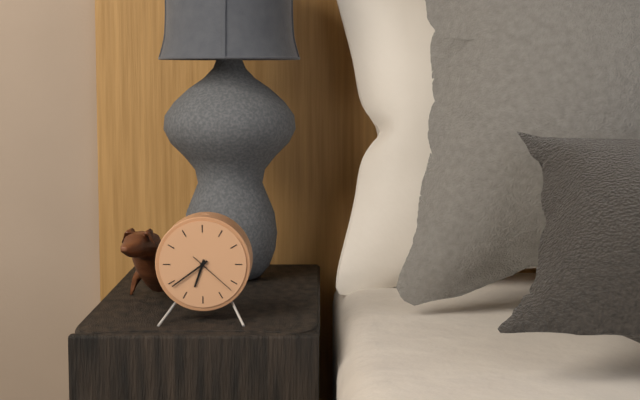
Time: 6h39
